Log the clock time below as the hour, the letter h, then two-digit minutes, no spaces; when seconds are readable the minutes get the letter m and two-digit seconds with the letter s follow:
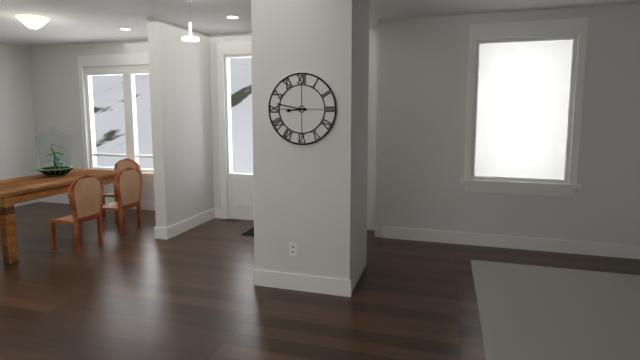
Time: 8h47
